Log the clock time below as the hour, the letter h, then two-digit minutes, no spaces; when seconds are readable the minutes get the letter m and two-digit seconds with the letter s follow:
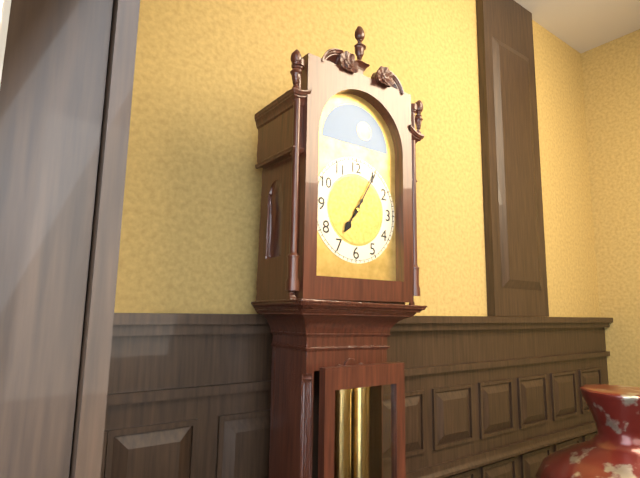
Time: 7h05
